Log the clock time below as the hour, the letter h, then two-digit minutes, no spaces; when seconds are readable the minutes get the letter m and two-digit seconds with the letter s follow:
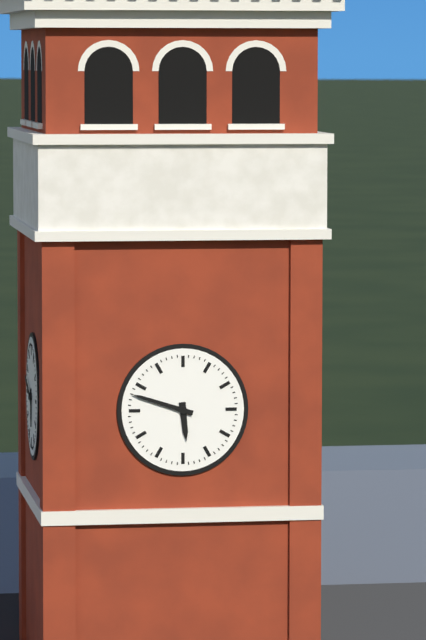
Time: 5h48
